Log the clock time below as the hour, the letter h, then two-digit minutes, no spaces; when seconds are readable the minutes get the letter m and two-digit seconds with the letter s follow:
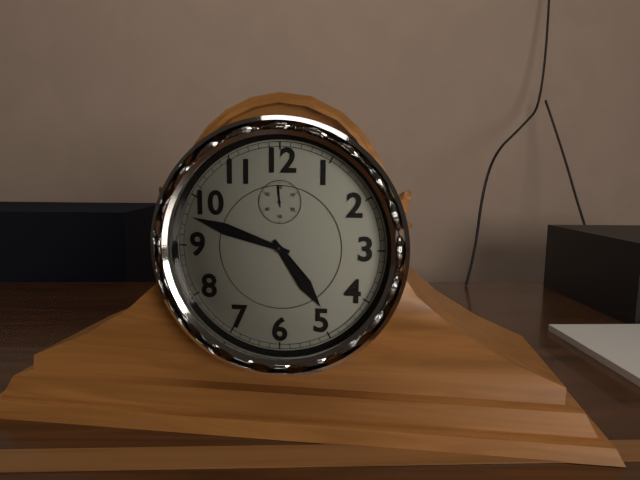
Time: 4h48
